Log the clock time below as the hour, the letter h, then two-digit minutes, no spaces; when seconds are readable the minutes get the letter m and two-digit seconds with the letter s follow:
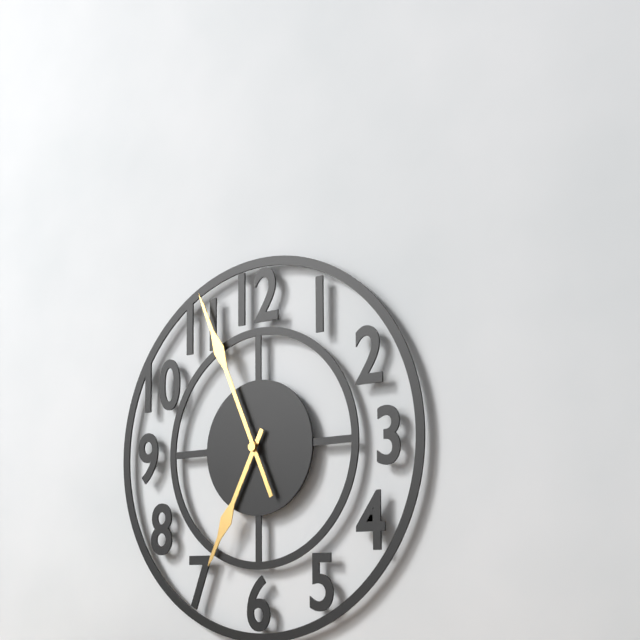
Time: 6h56
